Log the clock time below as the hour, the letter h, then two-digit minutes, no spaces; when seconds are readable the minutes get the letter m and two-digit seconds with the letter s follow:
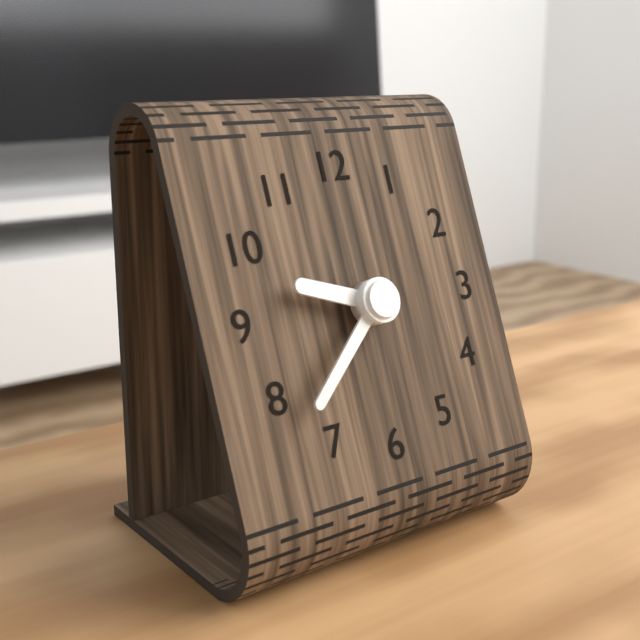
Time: 9h38
